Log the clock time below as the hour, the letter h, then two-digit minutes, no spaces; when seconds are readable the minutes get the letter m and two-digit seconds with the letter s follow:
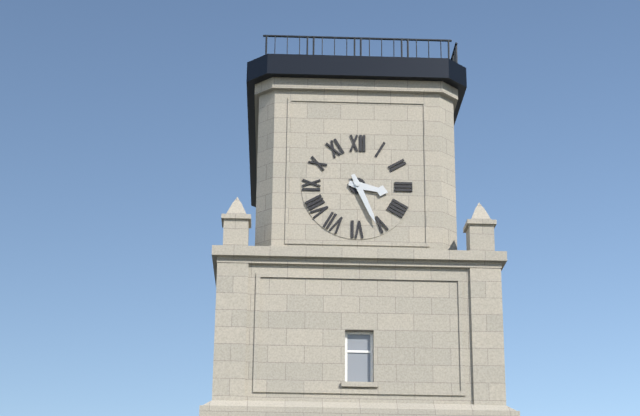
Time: 3h26
